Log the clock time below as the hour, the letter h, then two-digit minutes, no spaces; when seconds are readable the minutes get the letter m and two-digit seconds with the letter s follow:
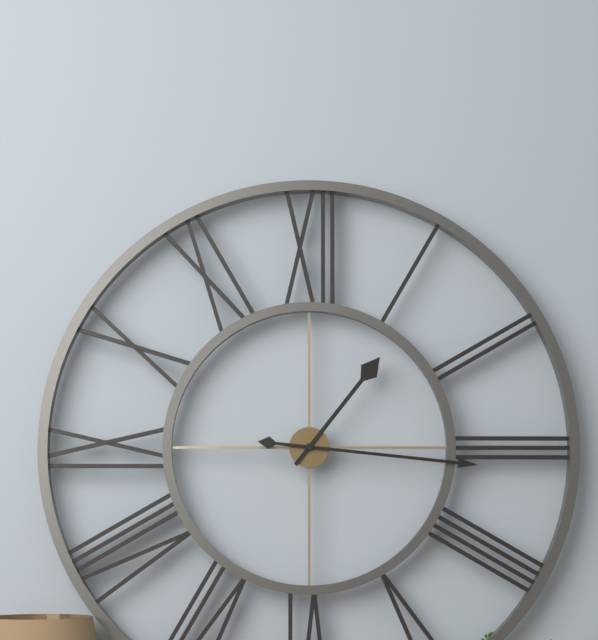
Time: 1h16
